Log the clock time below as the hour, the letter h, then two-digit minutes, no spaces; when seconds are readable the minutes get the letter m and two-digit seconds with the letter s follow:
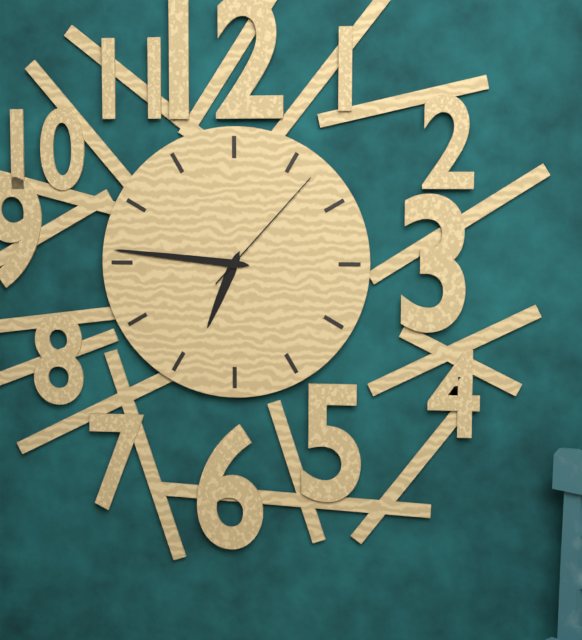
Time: 6h46m07s
